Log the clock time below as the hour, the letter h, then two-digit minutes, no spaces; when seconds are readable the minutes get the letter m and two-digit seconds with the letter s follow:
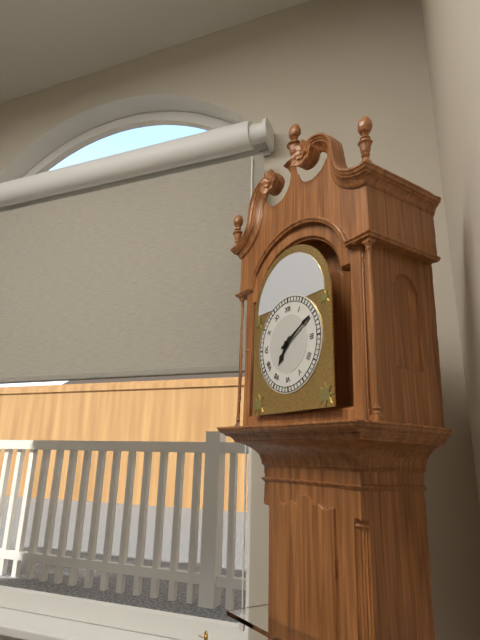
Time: 7h10
